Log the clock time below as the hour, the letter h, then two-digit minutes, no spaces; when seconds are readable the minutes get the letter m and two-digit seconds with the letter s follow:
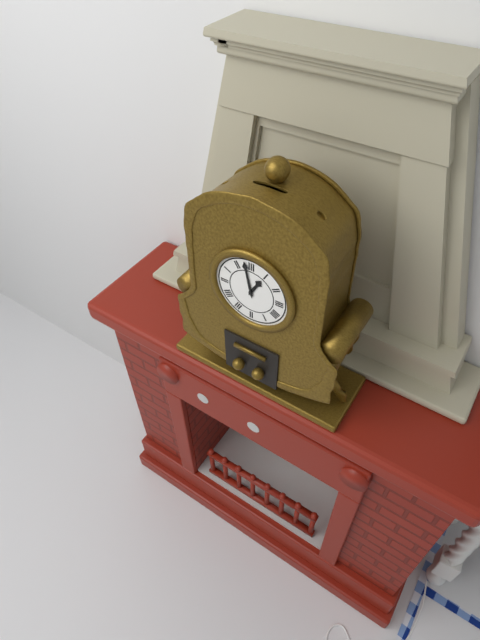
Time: 12h58
